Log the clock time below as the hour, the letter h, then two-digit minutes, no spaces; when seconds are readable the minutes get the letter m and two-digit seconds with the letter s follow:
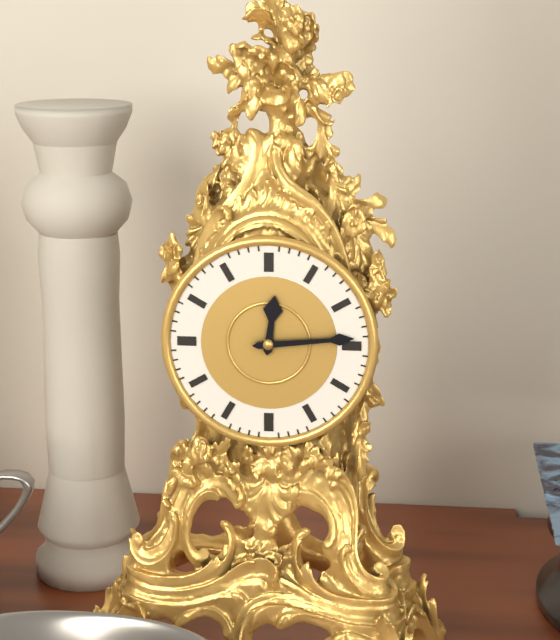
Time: 12h14
